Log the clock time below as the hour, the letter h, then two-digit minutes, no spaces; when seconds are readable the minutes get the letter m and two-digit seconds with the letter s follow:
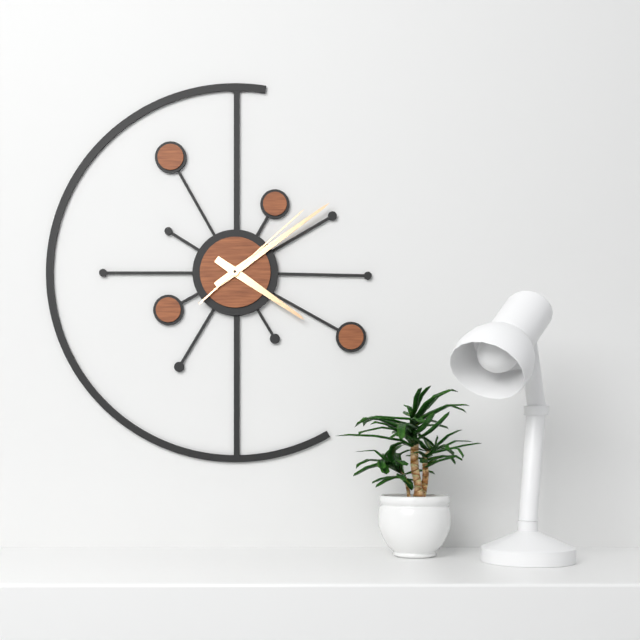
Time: 4h09m08s
